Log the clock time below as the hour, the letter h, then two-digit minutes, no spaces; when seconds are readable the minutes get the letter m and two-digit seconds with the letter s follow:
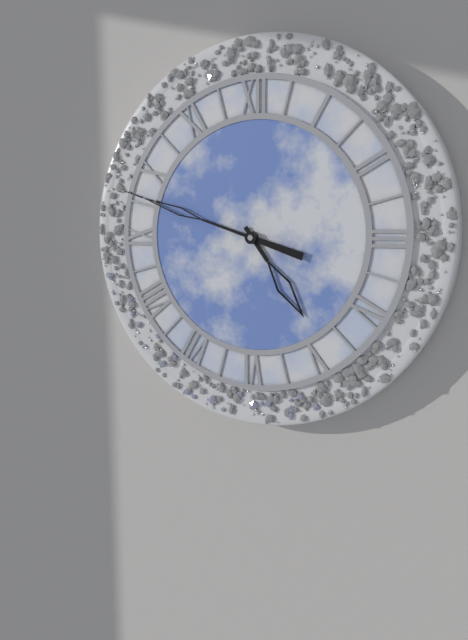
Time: 4h48
